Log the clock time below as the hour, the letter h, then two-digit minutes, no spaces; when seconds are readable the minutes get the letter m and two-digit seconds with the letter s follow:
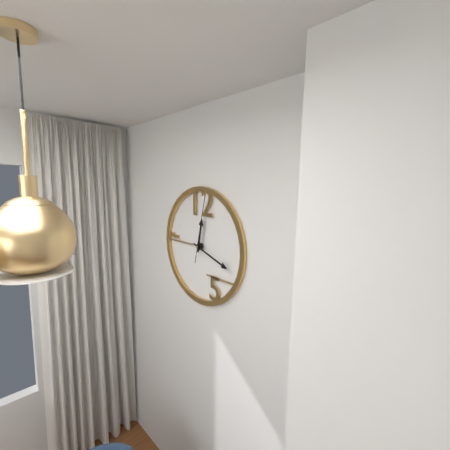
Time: 12h18m02s
